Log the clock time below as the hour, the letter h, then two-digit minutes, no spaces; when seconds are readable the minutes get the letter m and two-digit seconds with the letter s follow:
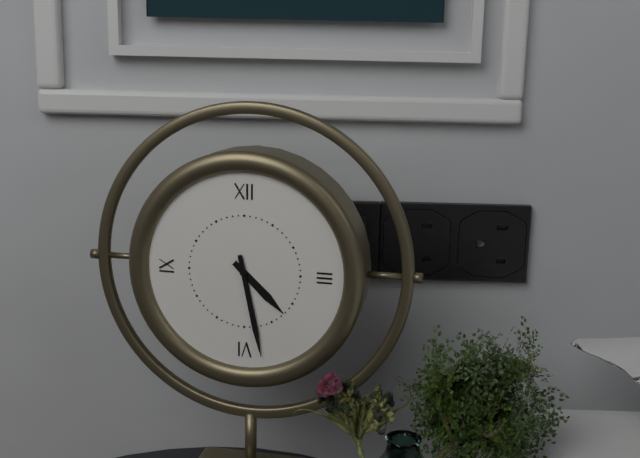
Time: 4h28
